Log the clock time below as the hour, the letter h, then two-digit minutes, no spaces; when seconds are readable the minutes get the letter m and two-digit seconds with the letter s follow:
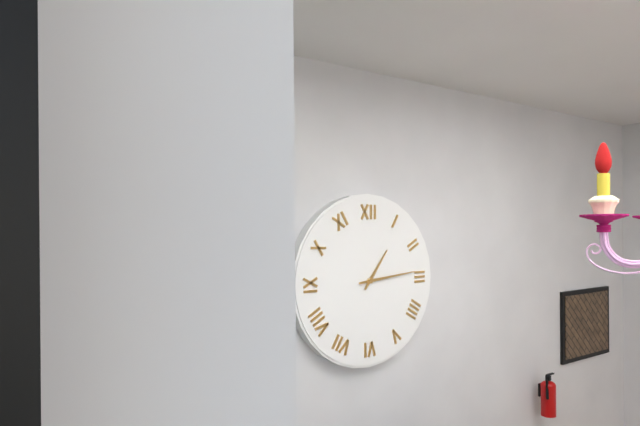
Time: 1h14
